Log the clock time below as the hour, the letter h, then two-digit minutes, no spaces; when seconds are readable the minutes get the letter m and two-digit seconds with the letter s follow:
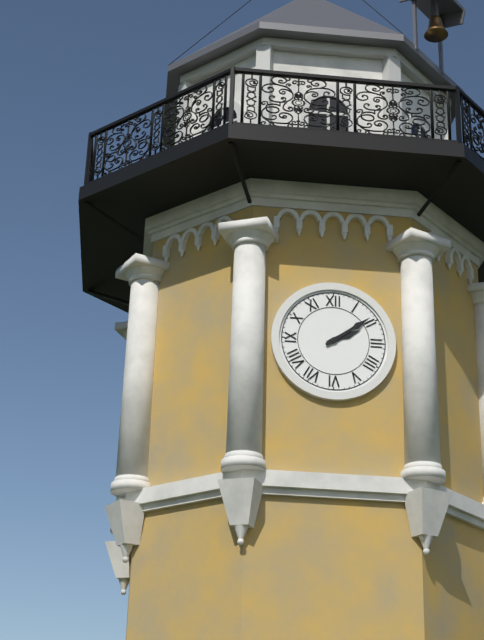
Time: 2h09
